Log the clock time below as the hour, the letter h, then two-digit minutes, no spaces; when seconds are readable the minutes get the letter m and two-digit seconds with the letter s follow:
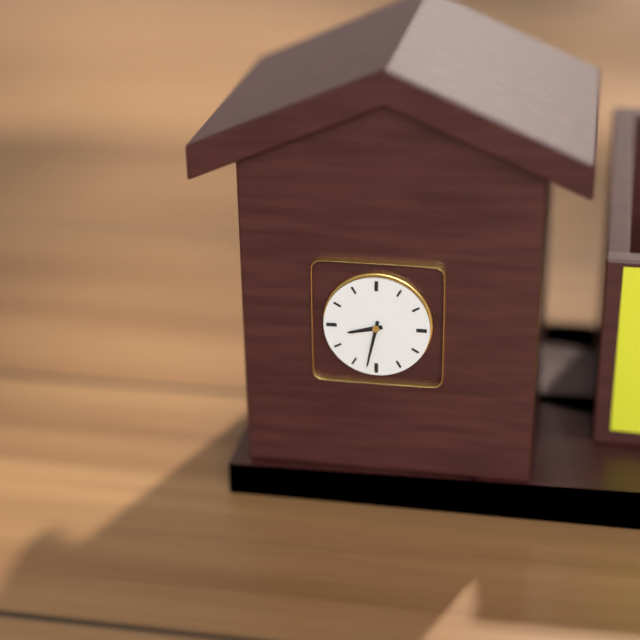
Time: 8h32
